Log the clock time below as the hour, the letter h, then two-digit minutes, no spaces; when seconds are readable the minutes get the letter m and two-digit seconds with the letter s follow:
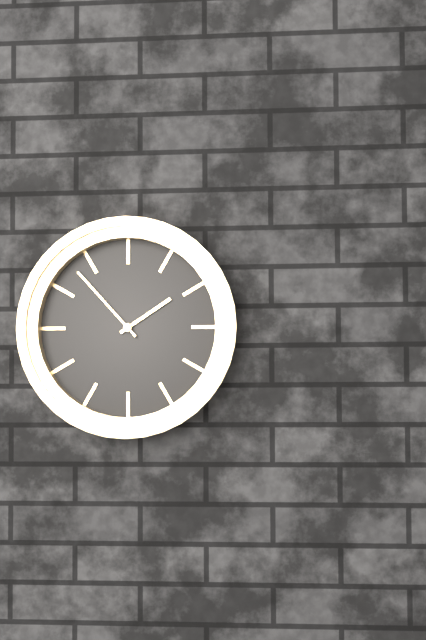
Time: 1h53
